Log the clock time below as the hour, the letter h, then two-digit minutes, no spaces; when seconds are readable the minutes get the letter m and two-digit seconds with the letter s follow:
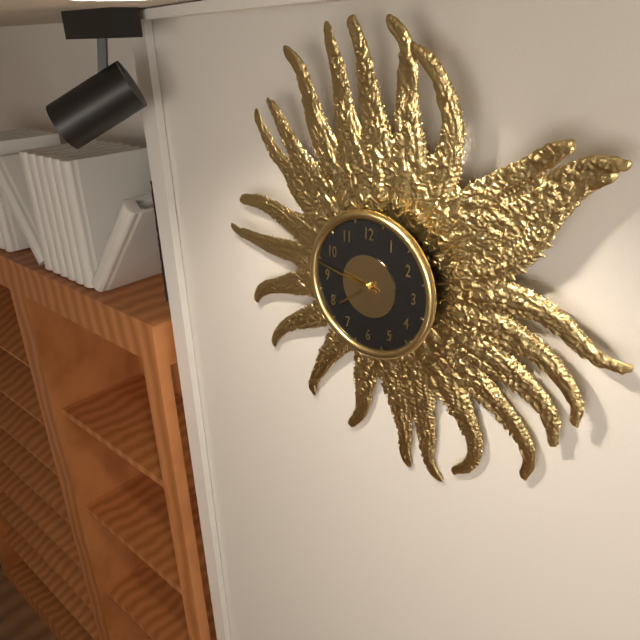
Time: 7h47
